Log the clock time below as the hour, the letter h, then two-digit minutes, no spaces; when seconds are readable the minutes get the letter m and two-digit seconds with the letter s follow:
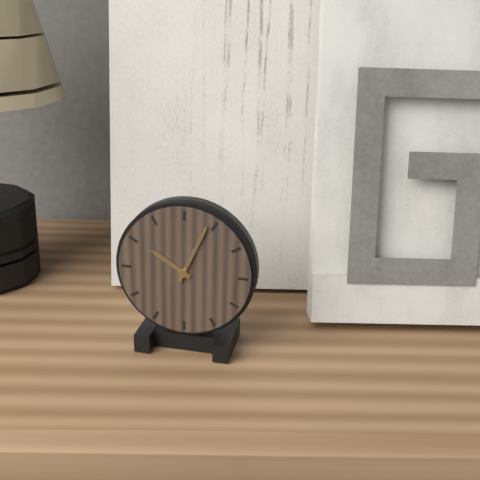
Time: 10h04
